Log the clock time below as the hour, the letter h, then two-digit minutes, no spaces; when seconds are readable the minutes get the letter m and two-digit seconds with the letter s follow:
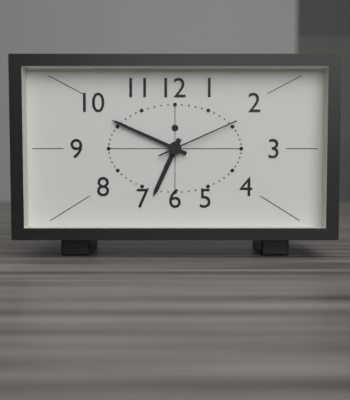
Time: 6h49m11s
